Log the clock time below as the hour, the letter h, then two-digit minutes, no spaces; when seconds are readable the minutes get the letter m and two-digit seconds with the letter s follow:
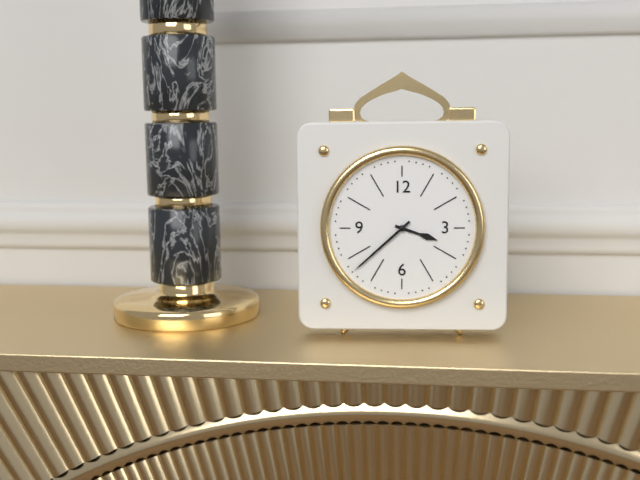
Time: 3h38
